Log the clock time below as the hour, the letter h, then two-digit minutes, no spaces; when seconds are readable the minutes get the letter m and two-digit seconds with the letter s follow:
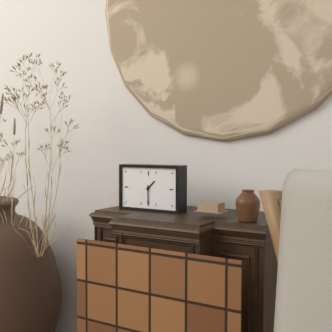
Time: 1h30
